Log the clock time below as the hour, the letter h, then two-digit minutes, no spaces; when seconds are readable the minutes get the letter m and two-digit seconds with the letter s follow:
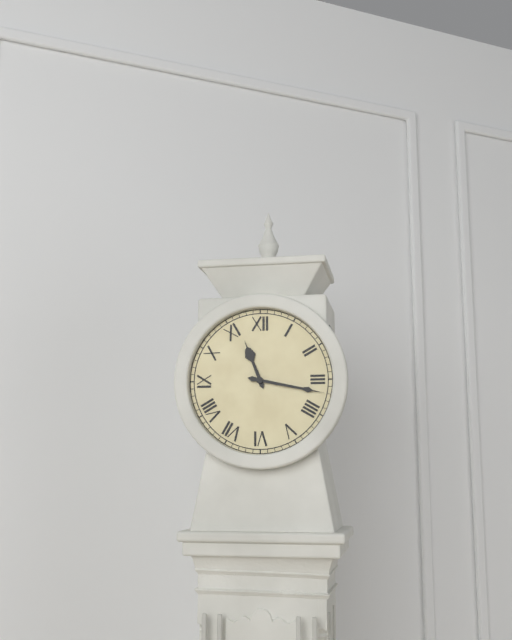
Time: 11h17
